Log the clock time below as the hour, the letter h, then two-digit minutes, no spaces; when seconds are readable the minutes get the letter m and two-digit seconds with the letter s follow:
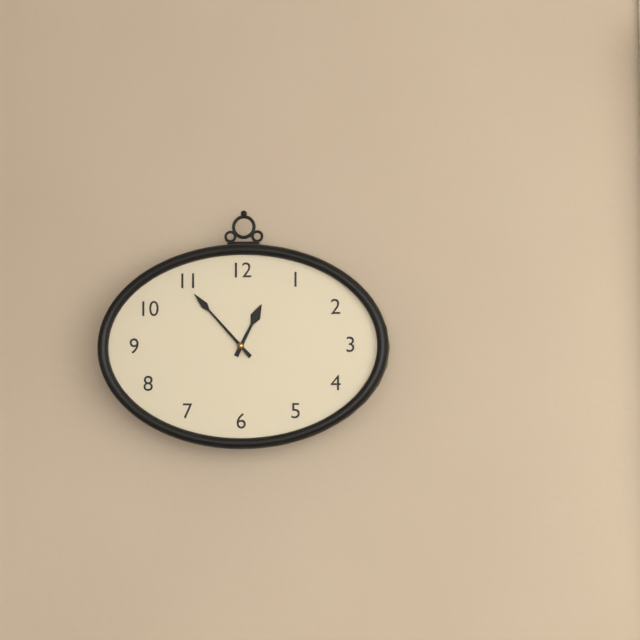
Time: 12h53
